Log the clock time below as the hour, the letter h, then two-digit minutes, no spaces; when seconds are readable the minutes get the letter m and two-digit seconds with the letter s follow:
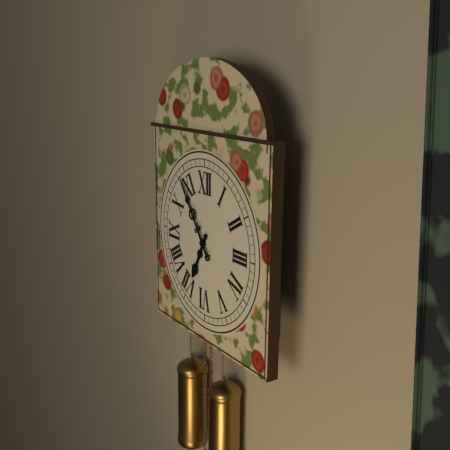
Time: 6h54
